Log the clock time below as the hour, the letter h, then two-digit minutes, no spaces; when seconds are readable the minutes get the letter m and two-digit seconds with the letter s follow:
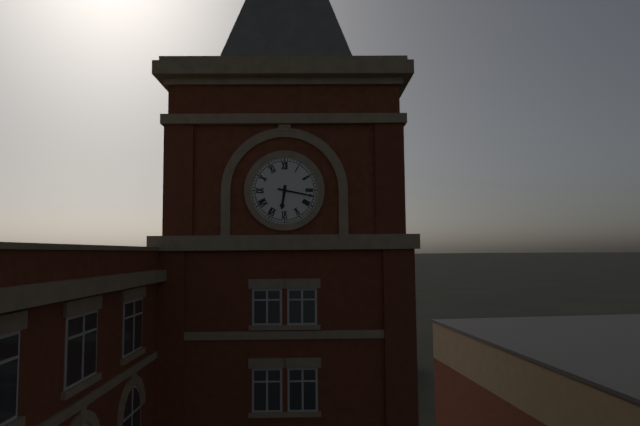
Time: 6h17
